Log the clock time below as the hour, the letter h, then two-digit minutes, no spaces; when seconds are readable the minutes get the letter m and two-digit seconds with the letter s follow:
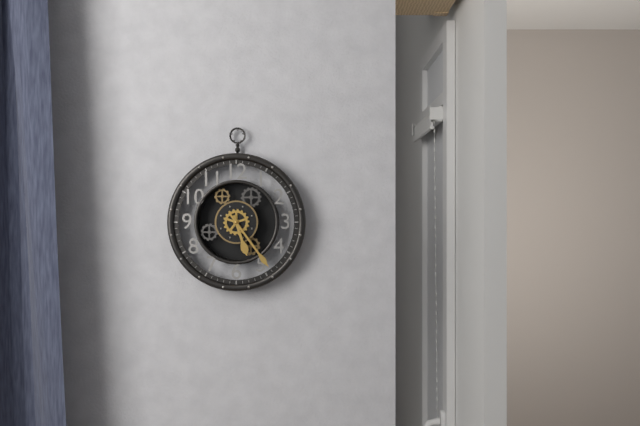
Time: 5h24
